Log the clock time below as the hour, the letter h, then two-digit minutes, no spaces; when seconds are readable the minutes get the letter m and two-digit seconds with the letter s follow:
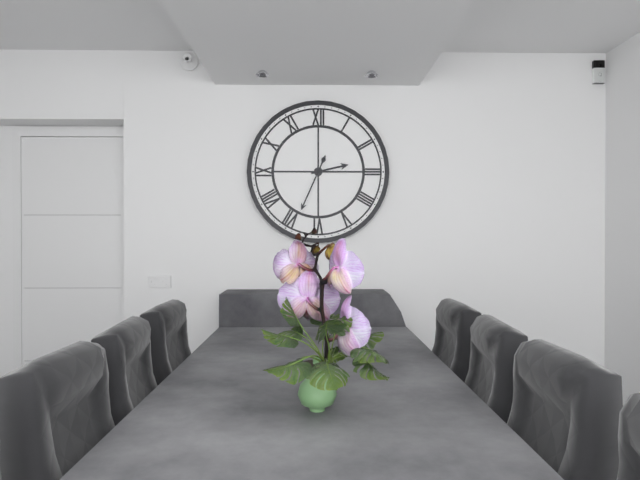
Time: 2h34
